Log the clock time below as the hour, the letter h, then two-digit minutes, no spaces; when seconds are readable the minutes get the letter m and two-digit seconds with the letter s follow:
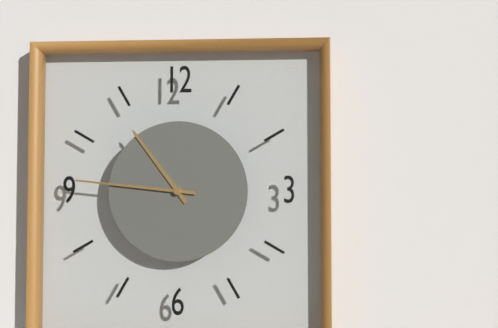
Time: 10h46
